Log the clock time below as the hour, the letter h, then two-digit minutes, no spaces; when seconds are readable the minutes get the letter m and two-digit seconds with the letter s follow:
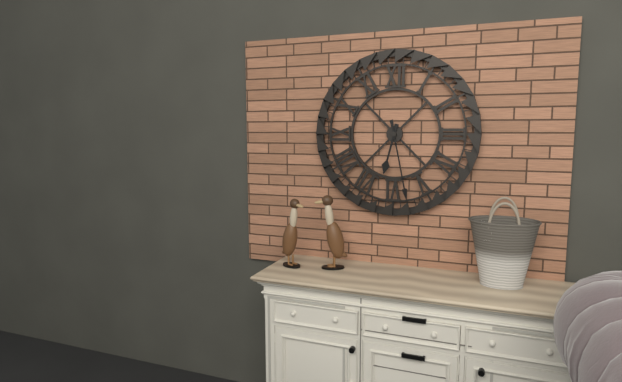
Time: 6h28
